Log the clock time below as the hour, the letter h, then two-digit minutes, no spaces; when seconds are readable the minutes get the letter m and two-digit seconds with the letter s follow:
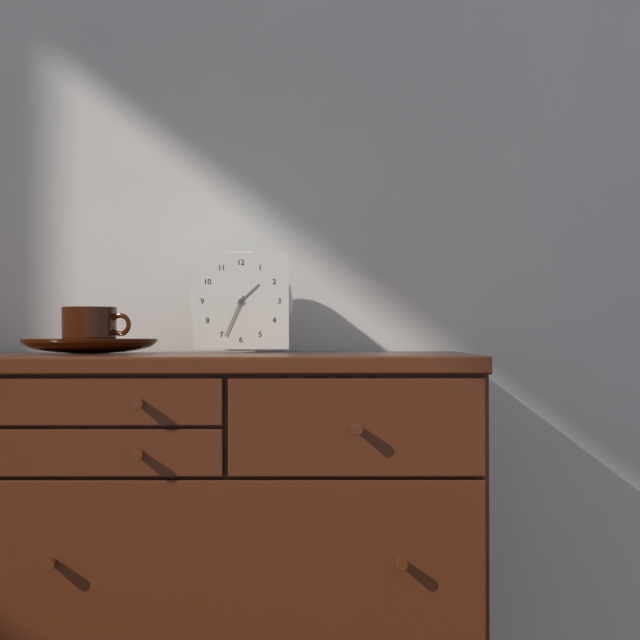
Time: 1h34
